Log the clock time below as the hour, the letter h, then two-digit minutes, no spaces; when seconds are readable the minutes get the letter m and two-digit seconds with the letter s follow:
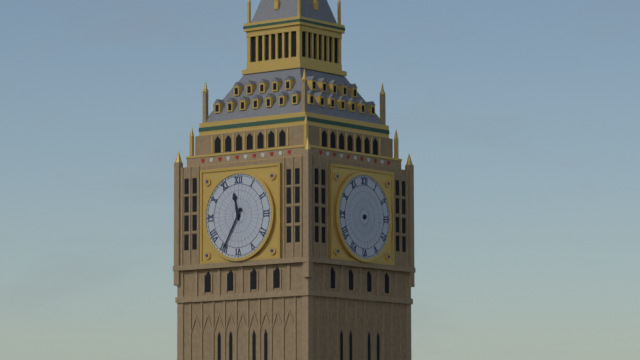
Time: 11h35
